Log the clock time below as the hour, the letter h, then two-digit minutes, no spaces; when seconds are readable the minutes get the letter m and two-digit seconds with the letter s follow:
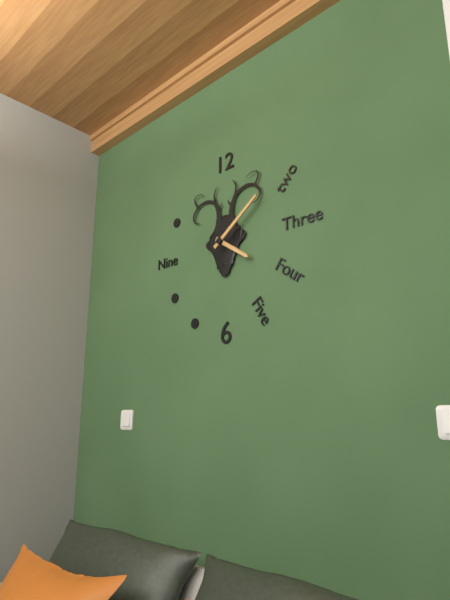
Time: 4h09
